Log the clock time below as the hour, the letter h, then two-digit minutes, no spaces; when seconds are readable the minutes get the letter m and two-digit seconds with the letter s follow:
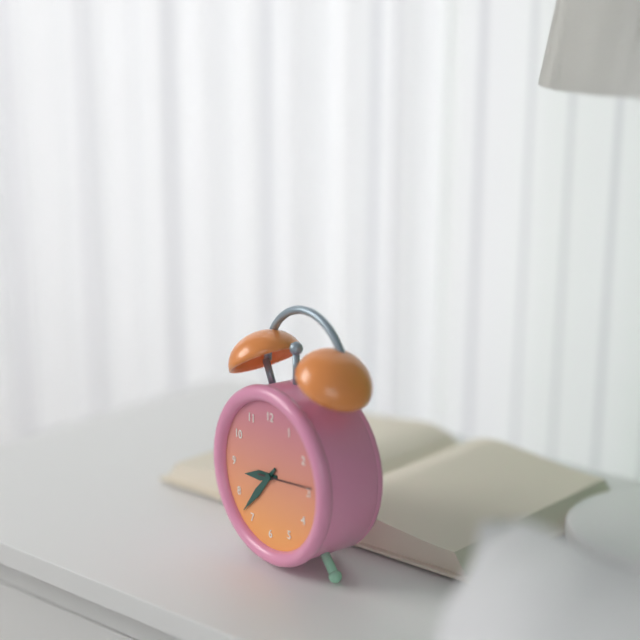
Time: 8h37
